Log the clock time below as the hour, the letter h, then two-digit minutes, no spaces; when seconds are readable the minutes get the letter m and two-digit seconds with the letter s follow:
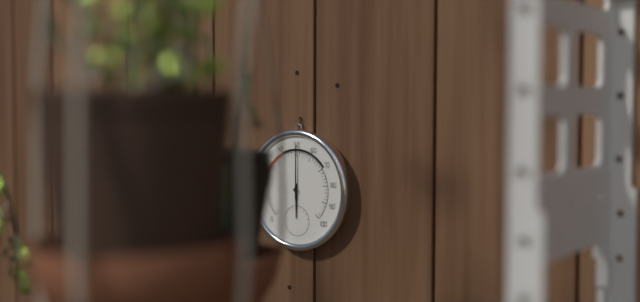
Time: 6h00
